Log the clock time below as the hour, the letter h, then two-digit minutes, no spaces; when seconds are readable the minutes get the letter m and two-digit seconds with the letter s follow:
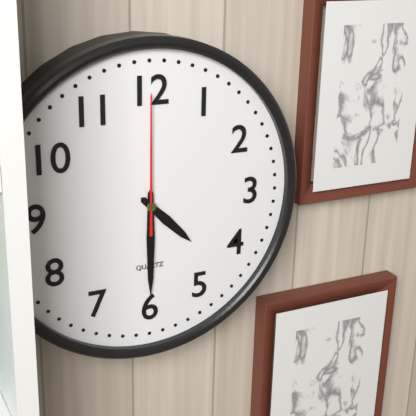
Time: 4h30m00s
